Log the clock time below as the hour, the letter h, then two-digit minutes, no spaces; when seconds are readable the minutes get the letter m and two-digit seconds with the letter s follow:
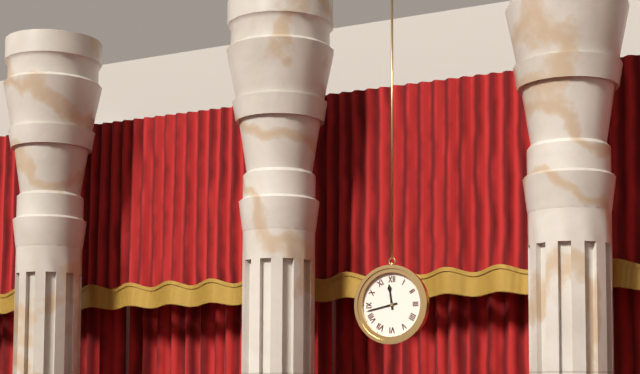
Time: 11h43
